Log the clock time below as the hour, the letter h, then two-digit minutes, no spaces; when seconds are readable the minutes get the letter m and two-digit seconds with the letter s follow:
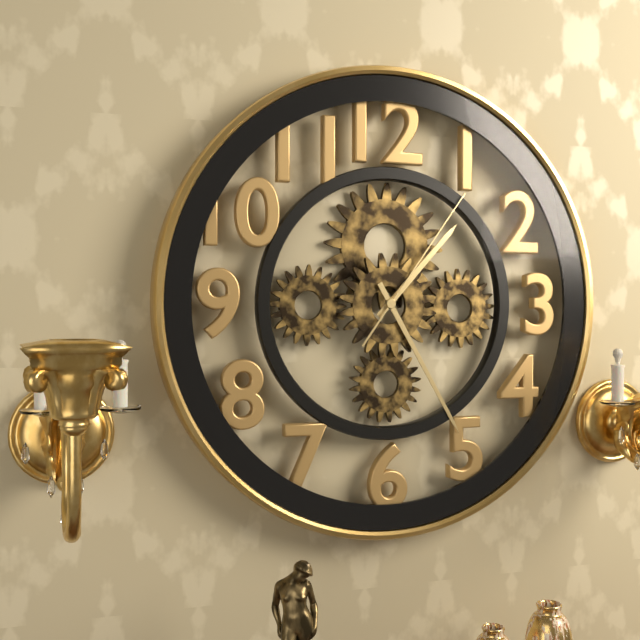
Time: 1h25m06s
